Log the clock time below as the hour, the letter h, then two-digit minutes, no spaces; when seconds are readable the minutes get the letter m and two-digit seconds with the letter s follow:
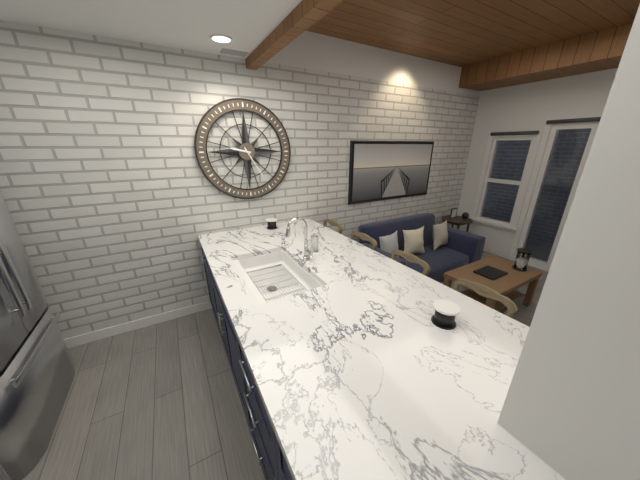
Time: 9h25
